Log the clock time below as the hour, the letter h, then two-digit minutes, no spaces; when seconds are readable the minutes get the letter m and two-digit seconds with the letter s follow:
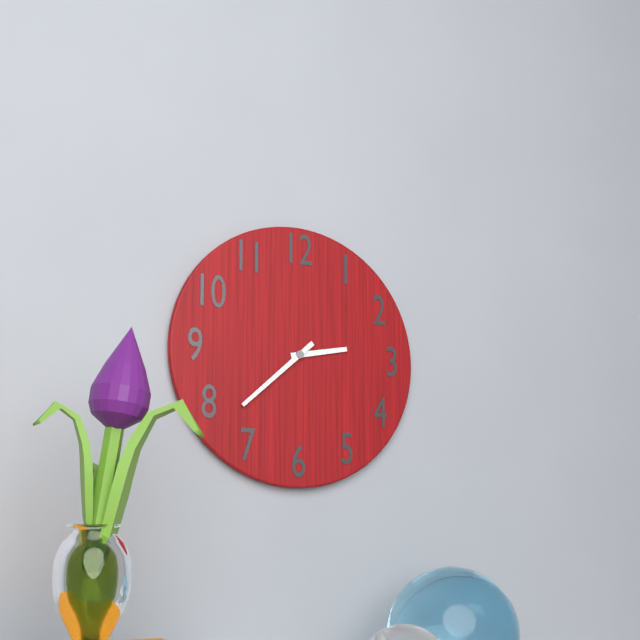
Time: 2h38
